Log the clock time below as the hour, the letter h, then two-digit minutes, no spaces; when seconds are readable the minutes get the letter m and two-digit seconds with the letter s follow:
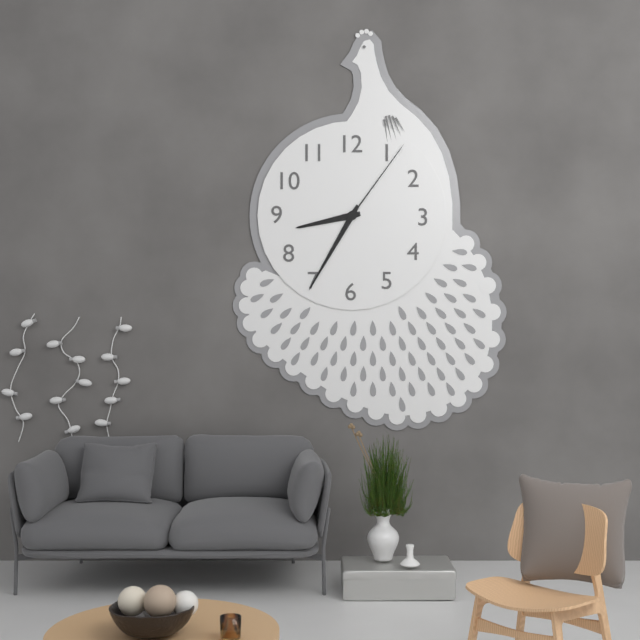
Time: 8h35m06s
